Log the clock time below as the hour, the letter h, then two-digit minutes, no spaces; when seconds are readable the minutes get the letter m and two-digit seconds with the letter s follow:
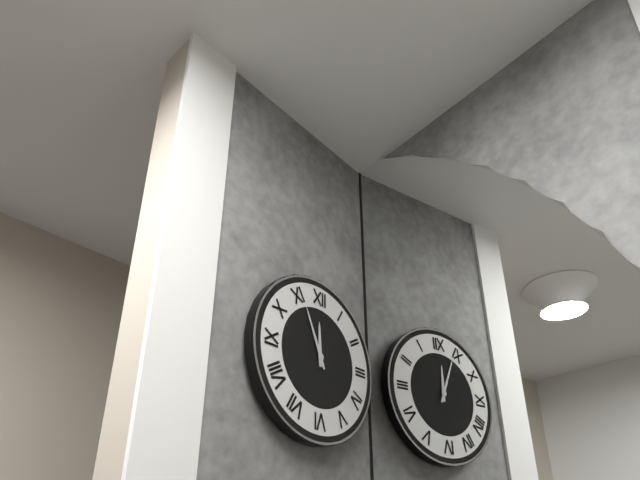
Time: 11h56
